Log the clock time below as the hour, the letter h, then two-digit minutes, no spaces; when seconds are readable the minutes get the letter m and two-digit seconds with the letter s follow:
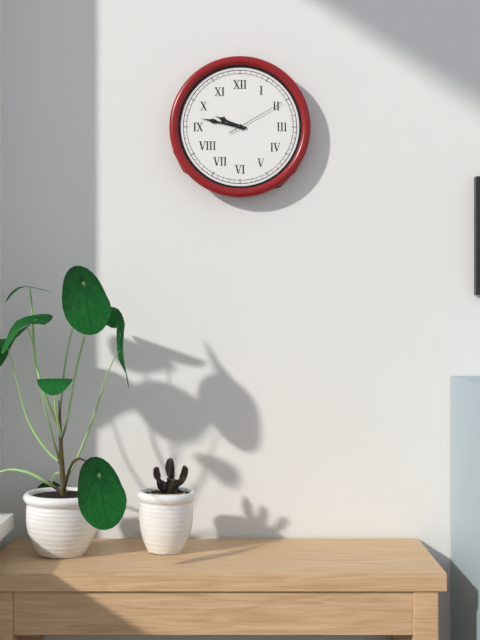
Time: 9h47m10s
